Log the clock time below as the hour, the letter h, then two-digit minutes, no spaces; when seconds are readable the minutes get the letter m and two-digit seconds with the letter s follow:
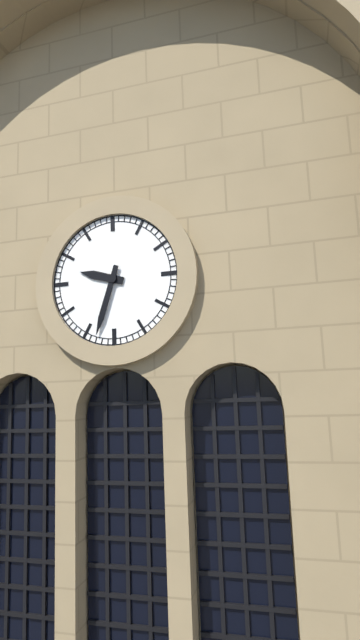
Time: 9h33
